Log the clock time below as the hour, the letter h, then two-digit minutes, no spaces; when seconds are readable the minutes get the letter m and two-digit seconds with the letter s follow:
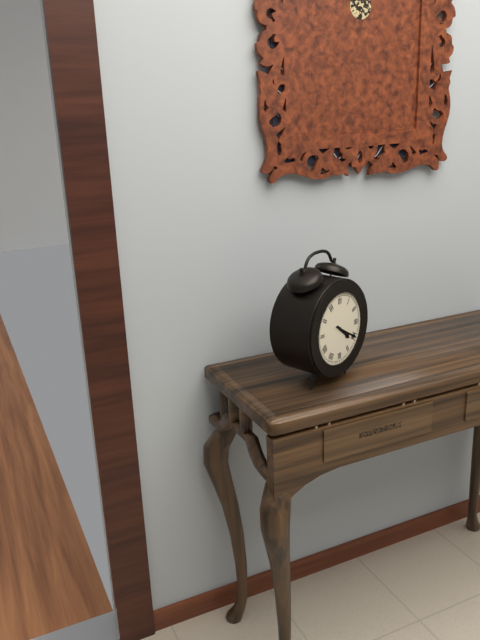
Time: 4h20
